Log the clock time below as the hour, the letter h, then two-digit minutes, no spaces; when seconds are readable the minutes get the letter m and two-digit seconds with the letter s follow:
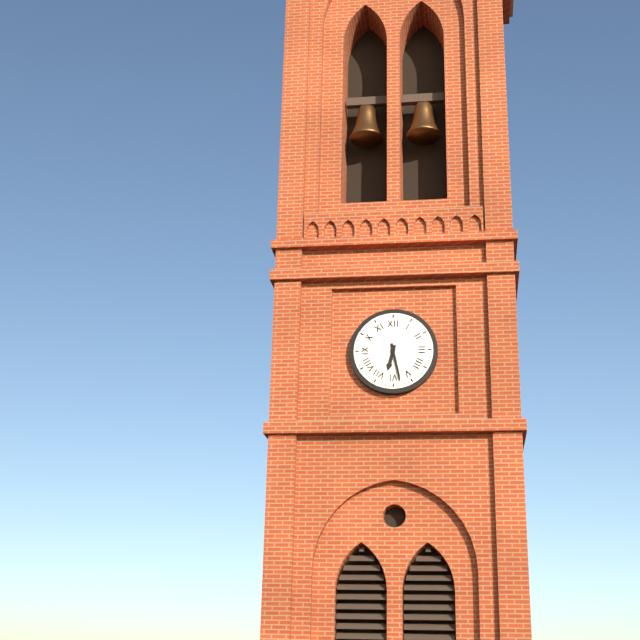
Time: 6h28
